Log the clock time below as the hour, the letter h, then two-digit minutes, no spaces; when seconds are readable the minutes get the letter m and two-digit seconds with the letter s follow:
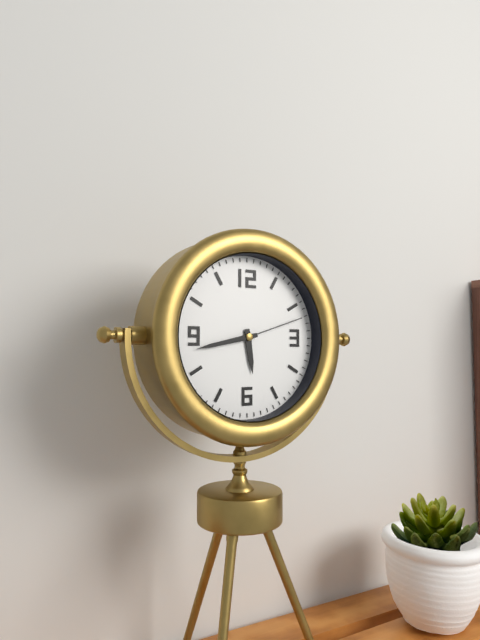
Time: 5h43m12s
